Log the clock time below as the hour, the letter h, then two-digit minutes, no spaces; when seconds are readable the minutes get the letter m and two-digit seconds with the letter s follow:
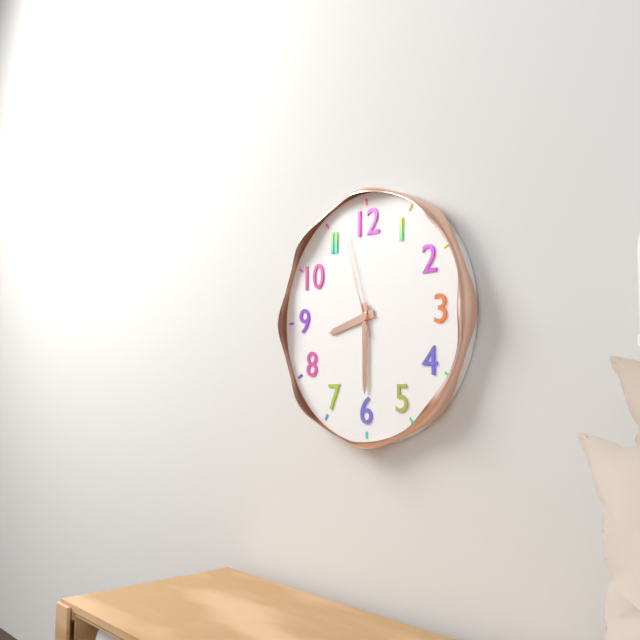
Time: 8h30m57s
